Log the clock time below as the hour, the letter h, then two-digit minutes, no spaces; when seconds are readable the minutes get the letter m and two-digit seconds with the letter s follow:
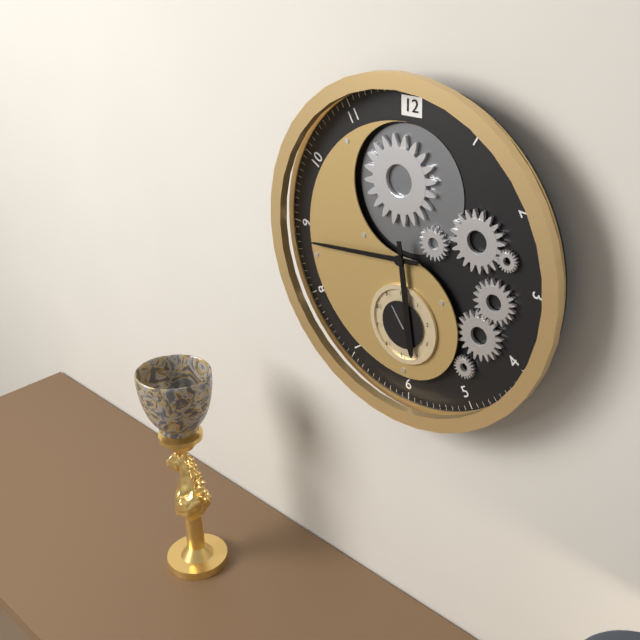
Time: 5h44
